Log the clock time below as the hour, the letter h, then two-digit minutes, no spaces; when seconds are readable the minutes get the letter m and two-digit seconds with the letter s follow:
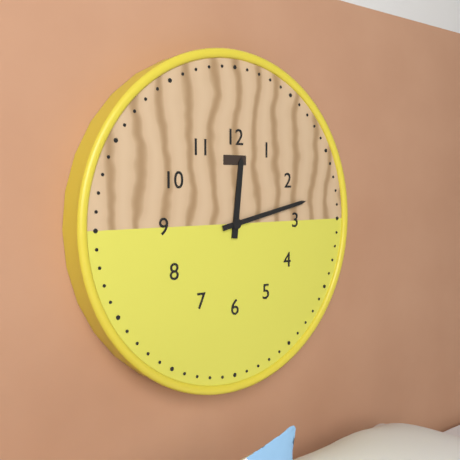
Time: 12h13
